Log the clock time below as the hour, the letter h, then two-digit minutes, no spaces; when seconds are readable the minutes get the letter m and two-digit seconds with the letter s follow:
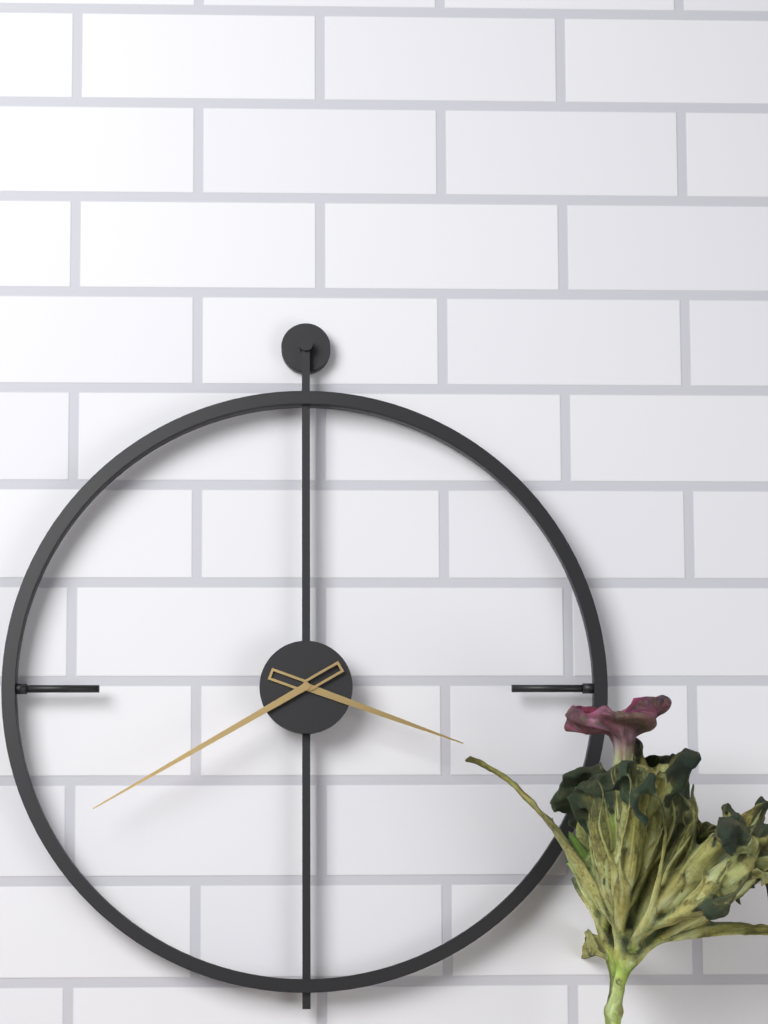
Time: 3h40
